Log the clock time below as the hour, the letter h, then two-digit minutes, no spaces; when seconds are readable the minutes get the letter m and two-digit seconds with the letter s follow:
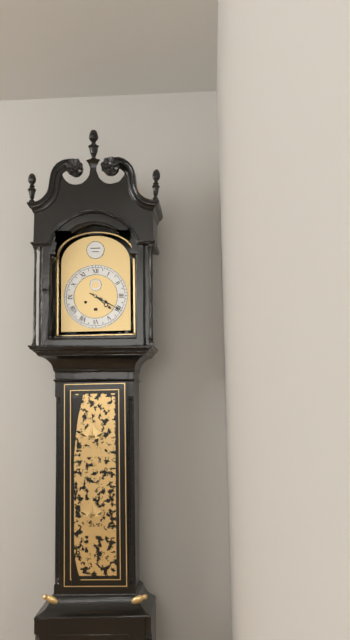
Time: 4h20
